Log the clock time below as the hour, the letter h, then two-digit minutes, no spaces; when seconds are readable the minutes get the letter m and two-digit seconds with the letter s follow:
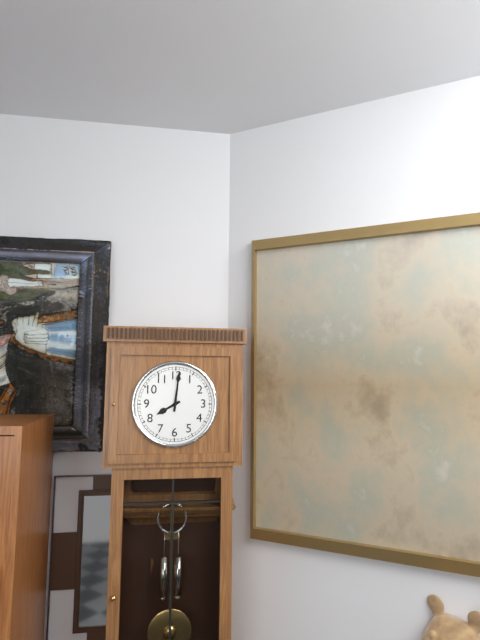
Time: 8h01
